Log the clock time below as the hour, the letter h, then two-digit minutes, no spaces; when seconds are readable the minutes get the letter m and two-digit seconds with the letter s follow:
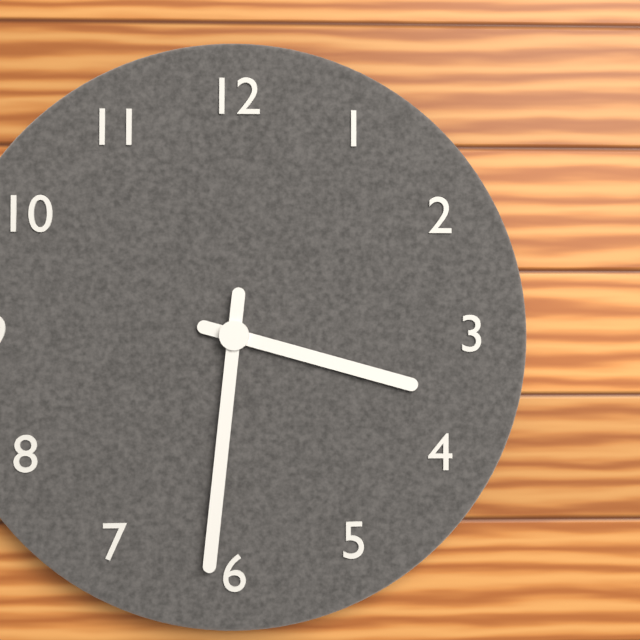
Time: 3h31
